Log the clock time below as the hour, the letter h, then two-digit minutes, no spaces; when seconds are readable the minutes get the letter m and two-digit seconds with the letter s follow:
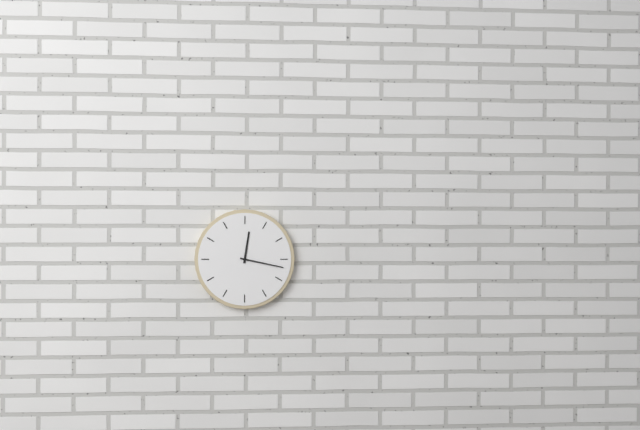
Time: 12h17
